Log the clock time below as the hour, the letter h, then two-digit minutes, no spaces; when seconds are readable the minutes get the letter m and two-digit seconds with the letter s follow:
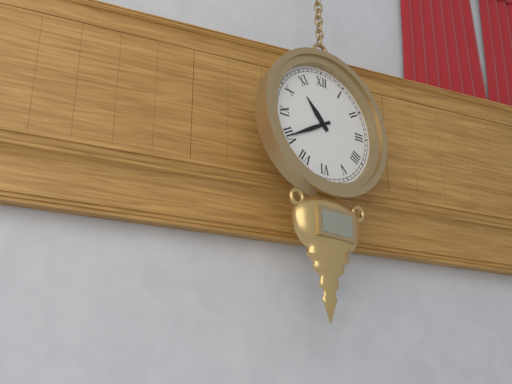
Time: 10h40
